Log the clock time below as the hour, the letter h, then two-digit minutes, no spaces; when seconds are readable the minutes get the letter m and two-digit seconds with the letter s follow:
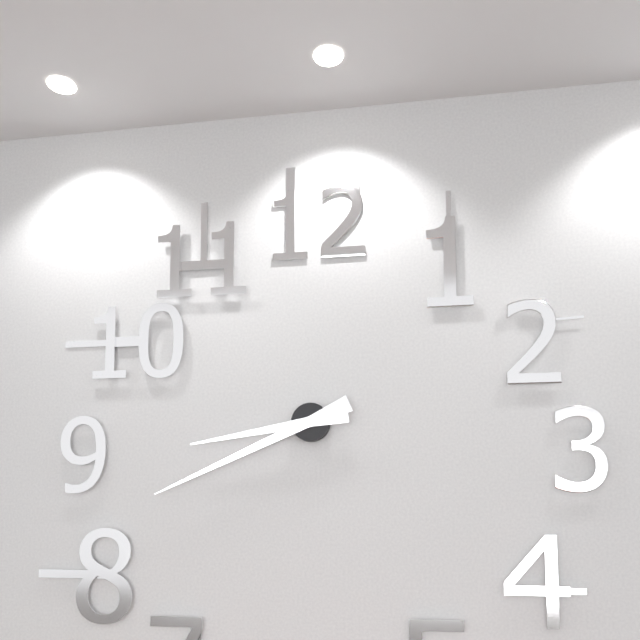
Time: 8h41
